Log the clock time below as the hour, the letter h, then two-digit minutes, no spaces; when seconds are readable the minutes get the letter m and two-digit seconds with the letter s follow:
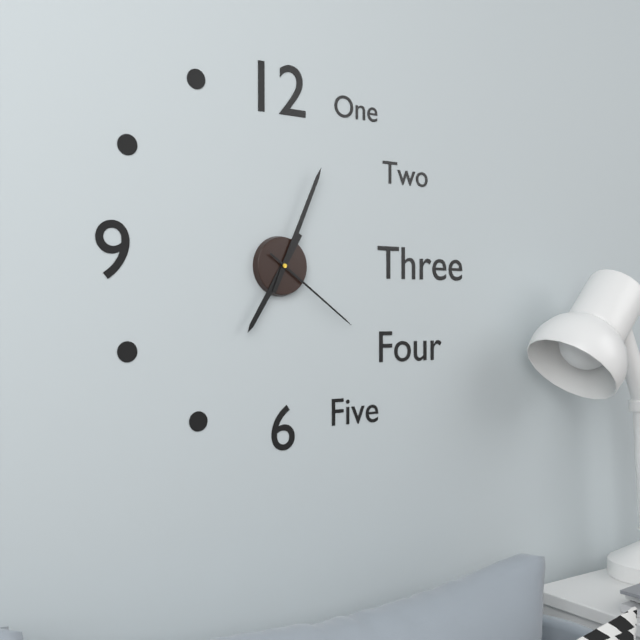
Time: 7h04m21s
